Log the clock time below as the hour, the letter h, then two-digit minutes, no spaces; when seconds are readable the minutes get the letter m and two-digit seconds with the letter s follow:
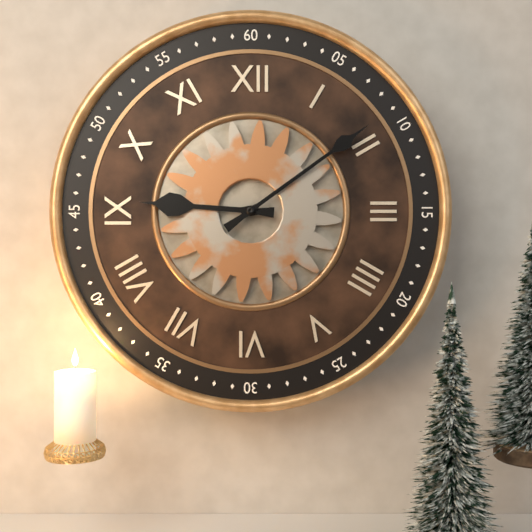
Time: 9h09
